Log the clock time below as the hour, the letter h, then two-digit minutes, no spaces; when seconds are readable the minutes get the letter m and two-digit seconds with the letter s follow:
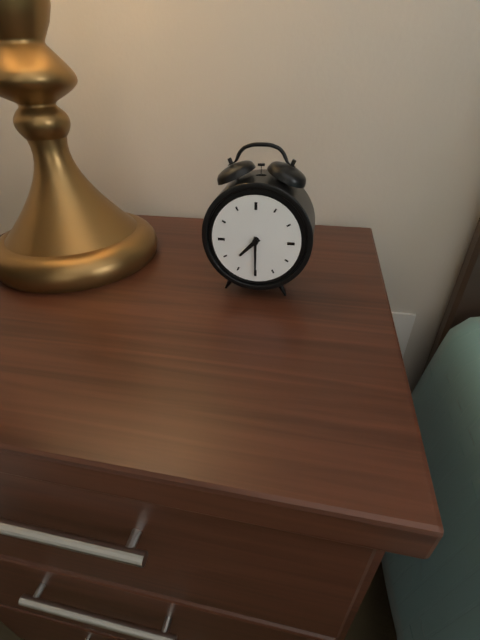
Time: 7h30
